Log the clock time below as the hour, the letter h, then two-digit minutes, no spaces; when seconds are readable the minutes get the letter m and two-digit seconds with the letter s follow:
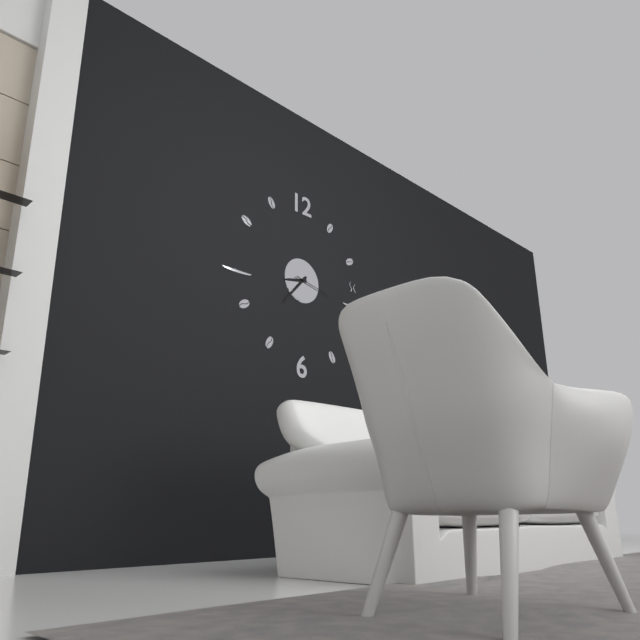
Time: 8h37
